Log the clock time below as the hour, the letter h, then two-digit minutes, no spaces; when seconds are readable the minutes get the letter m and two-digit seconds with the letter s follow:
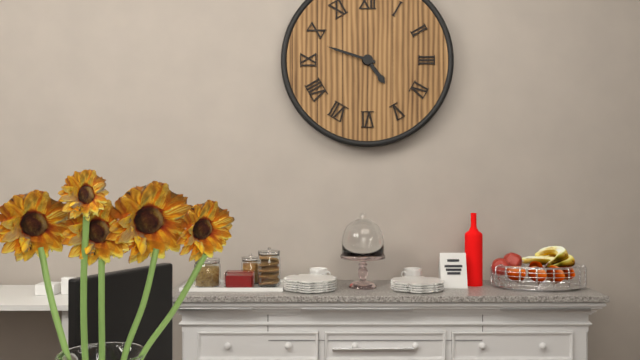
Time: 4h48
